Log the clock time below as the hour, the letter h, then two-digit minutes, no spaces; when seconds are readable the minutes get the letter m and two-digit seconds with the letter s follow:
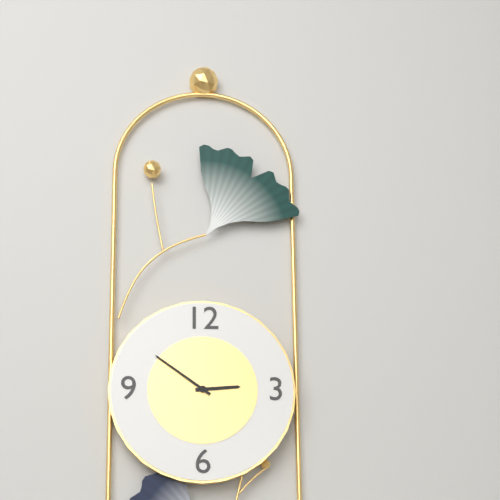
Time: 2h51
